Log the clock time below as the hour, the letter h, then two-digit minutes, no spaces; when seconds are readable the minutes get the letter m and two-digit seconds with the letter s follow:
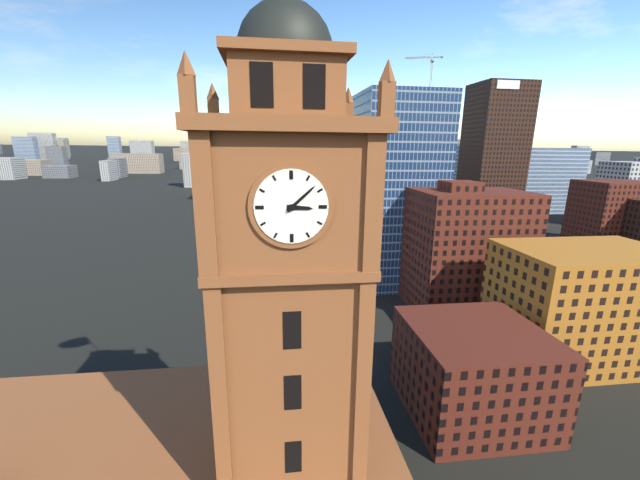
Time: 3h08
